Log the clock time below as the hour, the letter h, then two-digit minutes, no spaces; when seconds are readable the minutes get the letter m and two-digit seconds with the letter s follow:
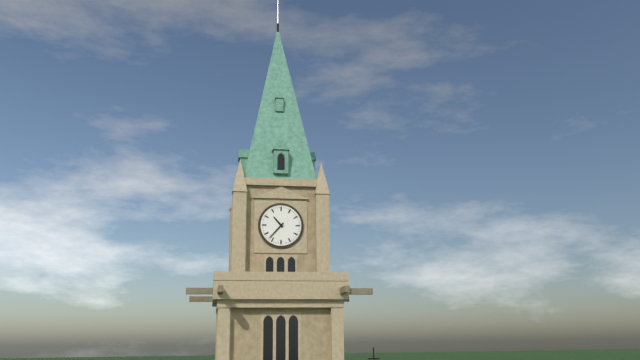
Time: 10h37
